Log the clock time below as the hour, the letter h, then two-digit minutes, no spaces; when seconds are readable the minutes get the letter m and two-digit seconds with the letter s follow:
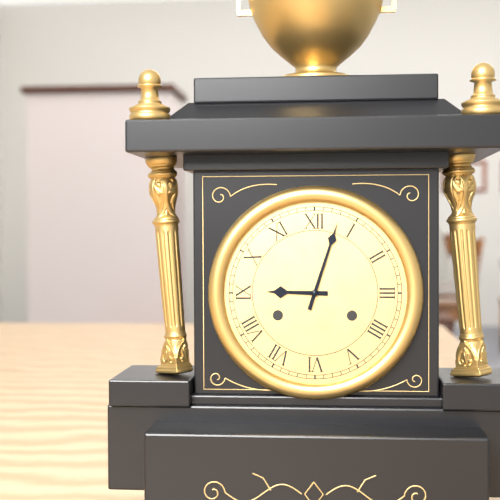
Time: 9h03
